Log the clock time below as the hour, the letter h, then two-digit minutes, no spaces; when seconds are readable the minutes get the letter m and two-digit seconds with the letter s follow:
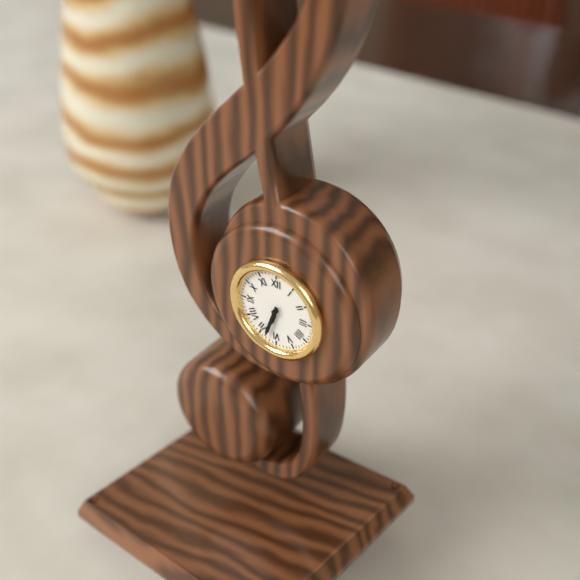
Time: 6h33
